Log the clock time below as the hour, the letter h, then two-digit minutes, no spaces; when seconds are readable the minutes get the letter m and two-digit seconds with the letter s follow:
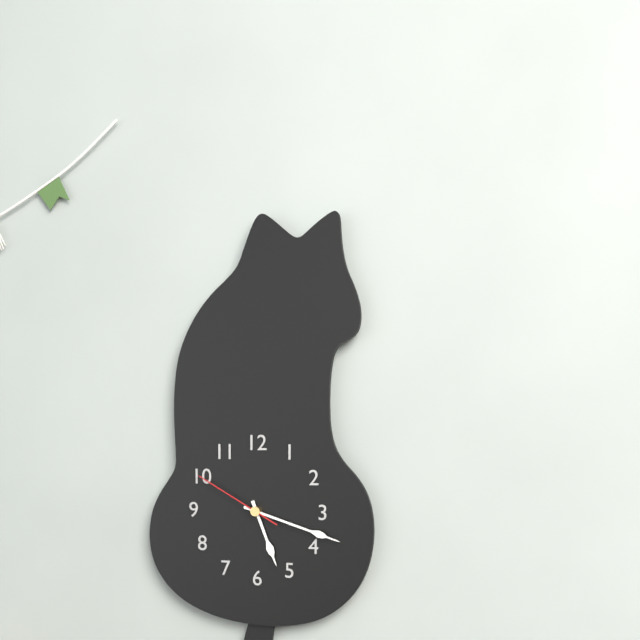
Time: 5h18m50s
